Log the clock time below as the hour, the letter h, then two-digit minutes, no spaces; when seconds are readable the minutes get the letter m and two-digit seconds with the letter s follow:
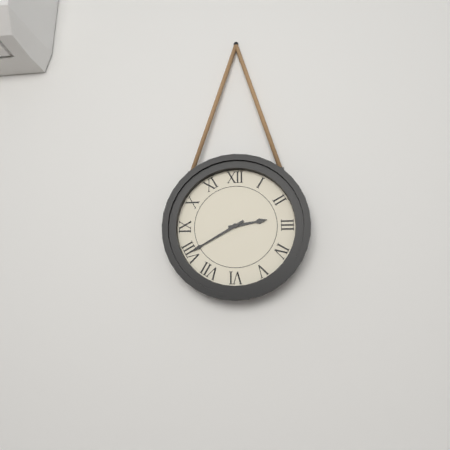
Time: 2h40
